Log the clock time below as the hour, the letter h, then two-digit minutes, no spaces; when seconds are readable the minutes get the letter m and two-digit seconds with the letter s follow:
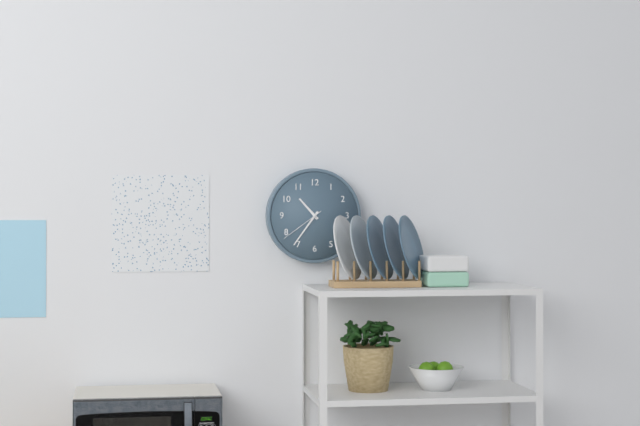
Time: 10h36
